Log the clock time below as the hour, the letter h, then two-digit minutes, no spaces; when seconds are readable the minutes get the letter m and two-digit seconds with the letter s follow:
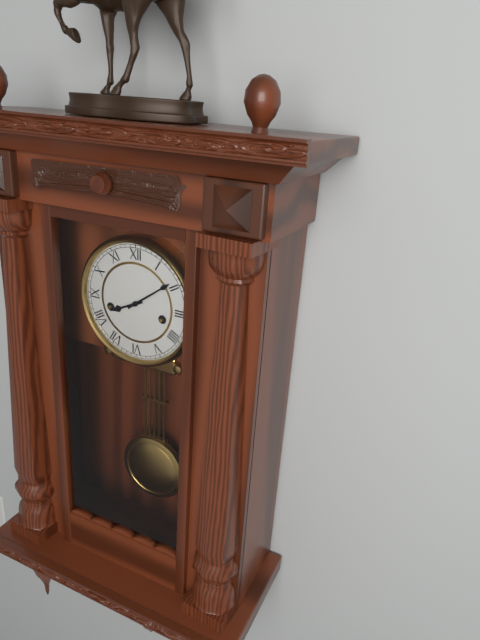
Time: 8h09
